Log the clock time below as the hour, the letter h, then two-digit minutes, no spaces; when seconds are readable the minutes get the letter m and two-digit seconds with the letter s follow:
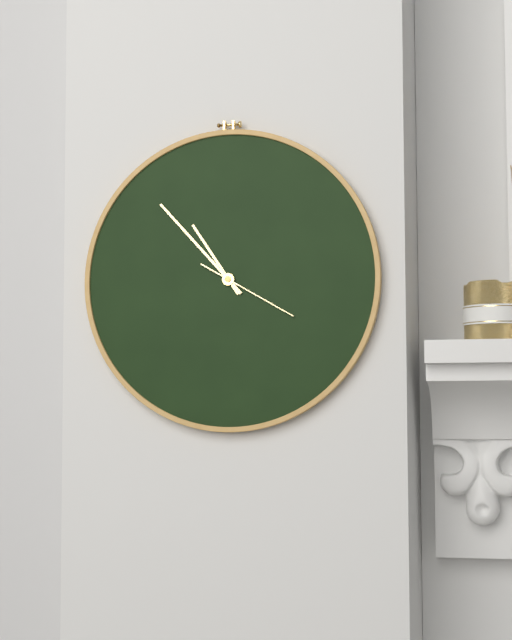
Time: 10h53m20s
